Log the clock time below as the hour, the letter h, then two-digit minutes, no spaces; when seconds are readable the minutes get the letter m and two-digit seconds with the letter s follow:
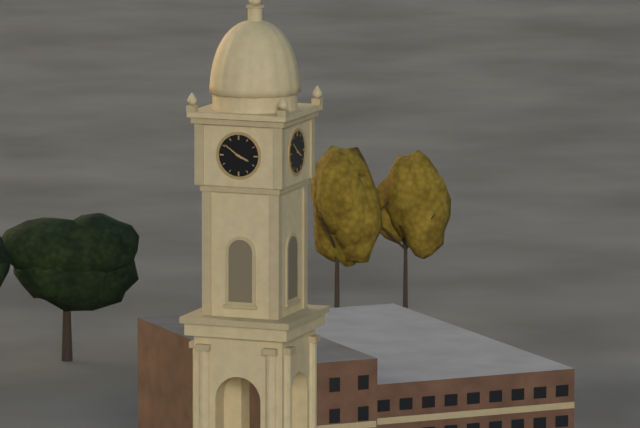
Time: 3h51
